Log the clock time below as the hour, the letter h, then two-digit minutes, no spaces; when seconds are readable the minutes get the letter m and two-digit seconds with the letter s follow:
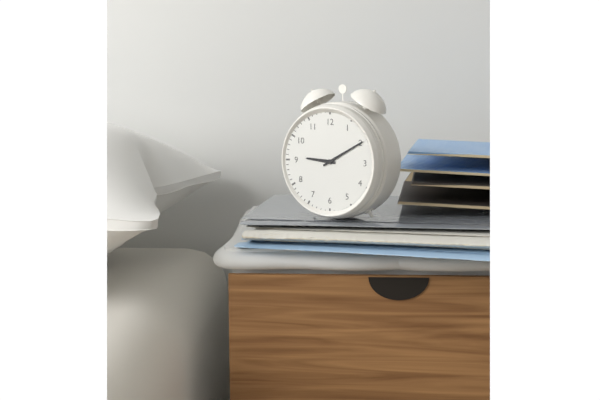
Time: 9h10
